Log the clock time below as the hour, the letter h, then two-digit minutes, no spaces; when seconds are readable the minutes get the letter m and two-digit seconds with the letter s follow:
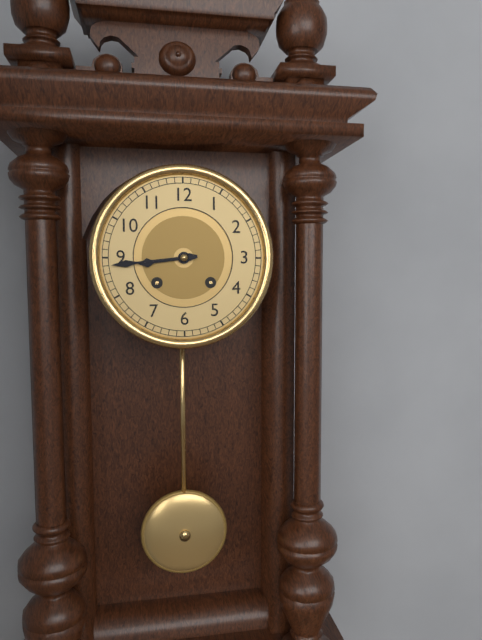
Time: 8h44
